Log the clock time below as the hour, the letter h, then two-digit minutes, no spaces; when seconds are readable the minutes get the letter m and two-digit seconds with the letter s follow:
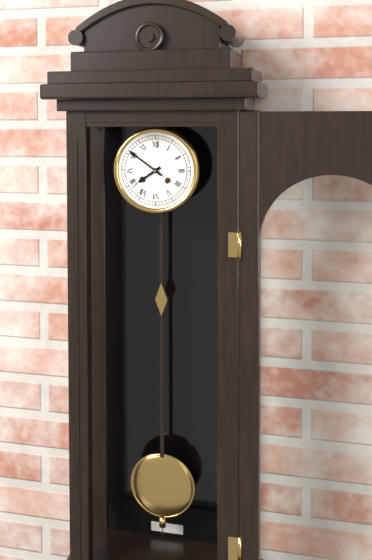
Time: 7h51
